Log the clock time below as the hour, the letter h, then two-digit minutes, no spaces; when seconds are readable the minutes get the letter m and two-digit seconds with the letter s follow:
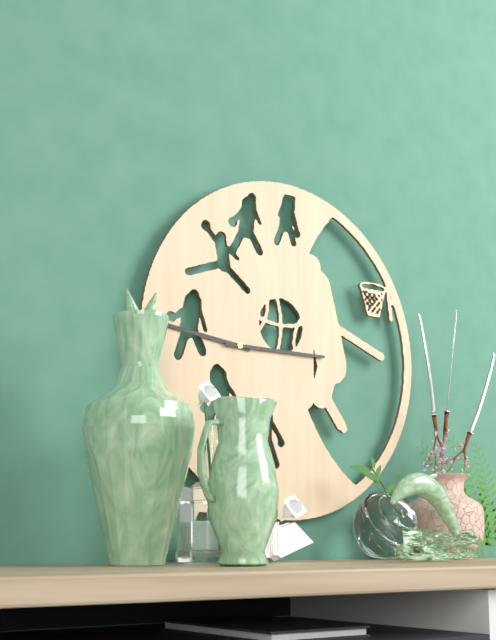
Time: 9h15
